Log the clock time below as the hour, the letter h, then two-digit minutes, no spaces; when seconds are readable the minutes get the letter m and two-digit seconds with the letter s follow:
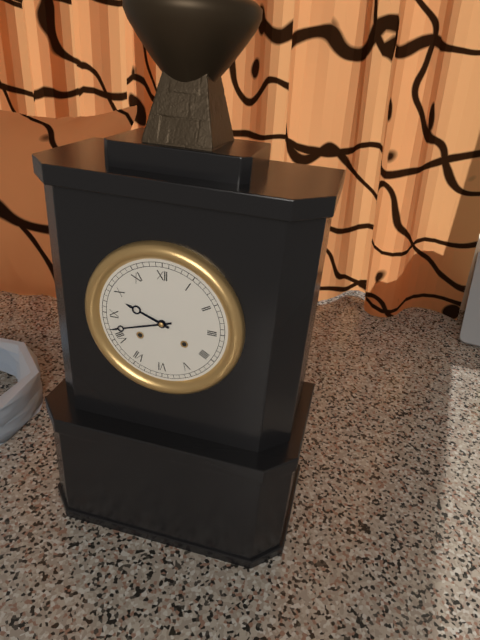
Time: 9h42
